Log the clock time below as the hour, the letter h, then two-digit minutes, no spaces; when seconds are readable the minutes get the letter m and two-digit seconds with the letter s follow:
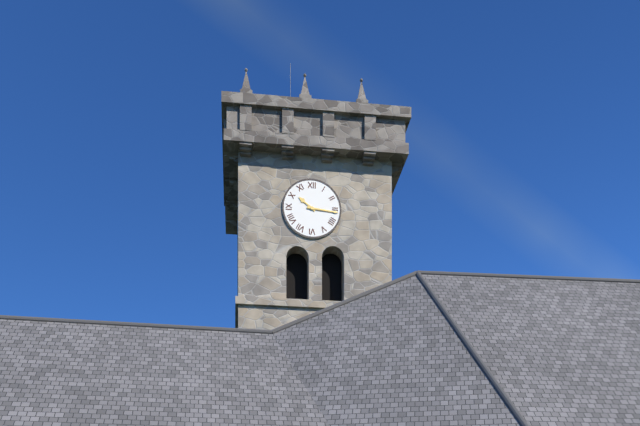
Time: 10h16
